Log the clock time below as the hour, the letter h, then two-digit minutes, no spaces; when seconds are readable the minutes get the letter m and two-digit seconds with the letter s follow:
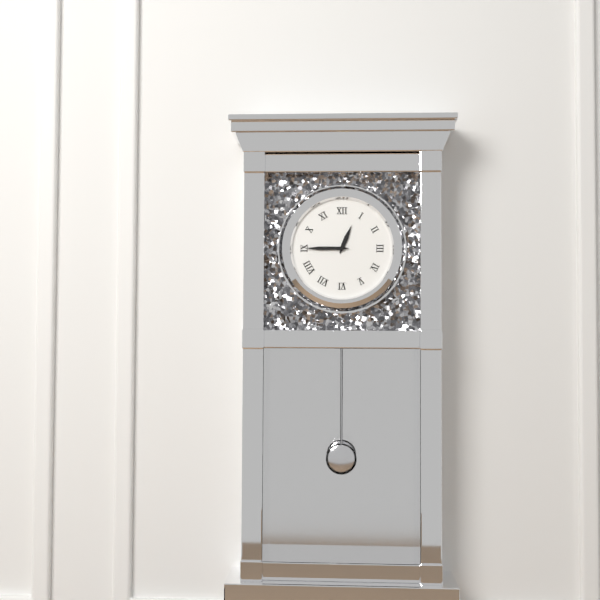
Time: 12h45
